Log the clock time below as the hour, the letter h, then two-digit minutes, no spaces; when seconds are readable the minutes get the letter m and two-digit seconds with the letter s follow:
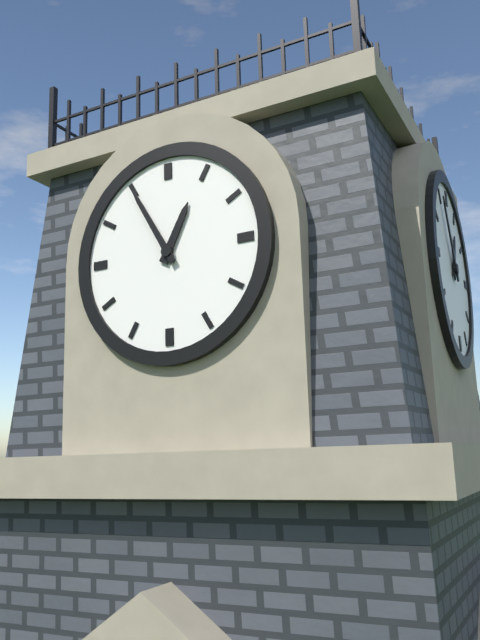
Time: 12h55
